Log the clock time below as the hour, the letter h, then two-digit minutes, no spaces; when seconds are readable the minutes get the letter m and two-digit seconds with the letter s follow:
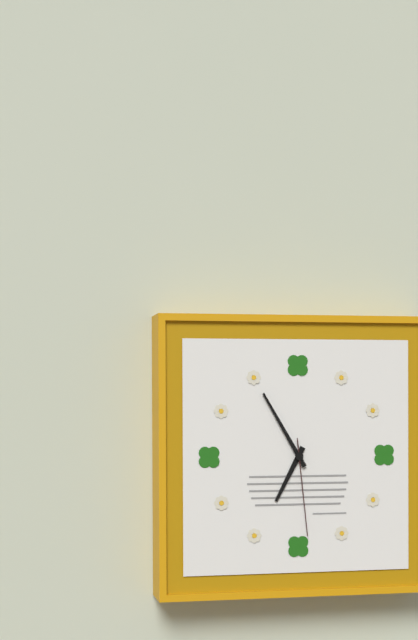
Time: 6h55m29s
